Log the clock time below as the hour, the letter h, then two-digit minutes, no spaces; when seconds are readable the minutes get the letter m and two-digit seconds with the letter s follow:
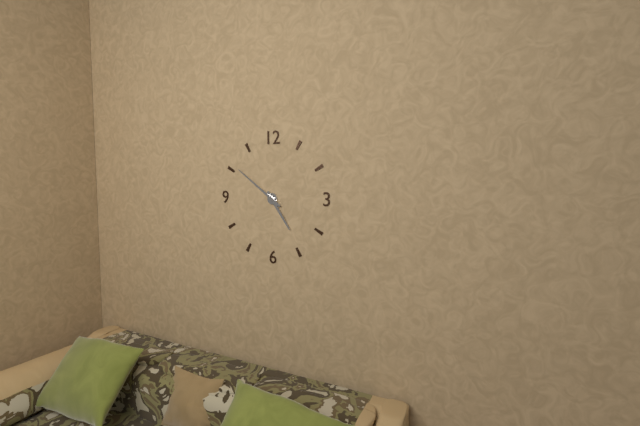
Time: 4h51
